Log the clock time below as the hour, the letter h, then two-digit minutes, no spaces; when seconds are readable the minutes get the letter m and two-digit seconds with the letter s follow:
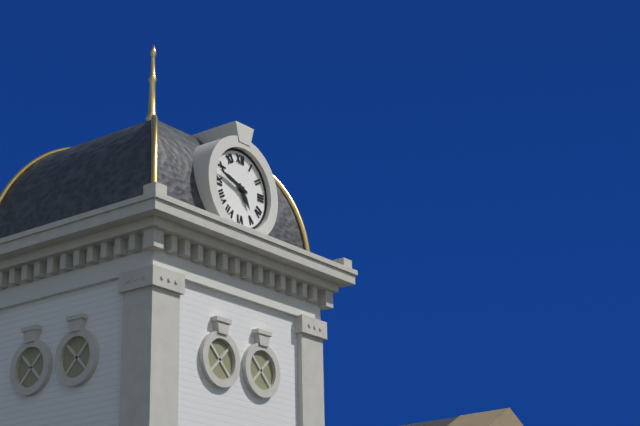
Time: 4h48
